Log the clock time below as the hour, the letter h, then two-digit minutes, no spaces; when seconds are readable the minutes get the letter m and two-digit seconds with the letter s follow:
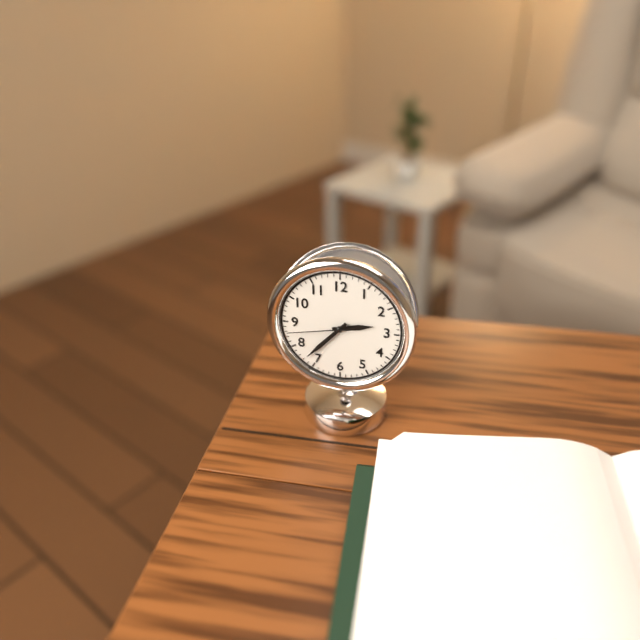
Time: 2h37m43s
